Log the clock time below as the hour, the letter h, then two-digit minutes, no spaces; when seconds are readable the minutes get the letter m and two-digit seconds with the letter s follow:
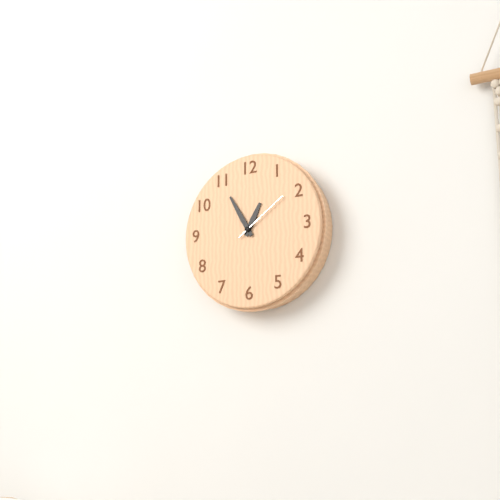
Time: 12h55m09s
